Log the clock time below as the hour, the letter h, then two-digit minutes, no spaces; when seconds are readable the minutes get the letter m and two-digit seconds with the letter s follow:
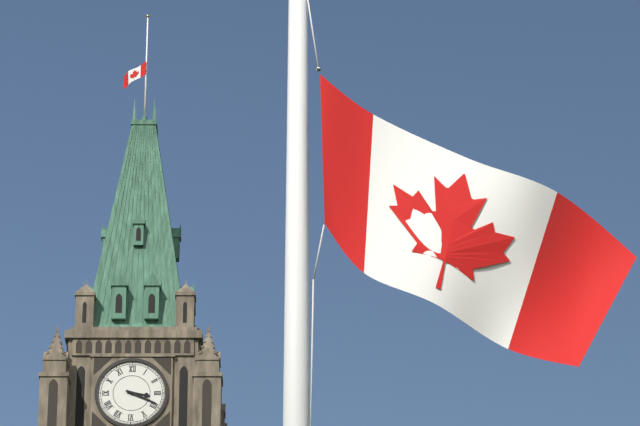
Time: 3h19
